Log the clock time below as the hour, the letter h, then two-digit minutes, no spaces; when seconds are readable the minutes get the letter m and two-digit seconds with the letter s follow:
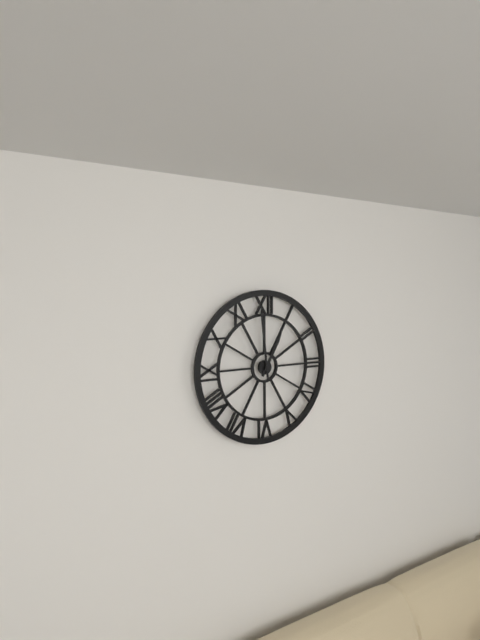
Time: 12h59
